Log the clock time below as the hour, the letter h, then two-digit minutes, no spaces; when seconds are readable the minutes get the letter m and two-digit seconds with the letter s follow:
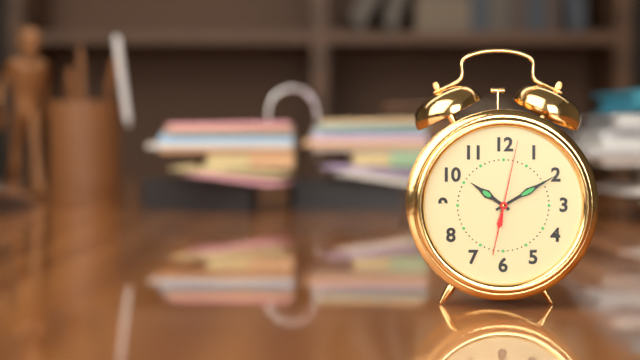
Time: 10h10m02s
